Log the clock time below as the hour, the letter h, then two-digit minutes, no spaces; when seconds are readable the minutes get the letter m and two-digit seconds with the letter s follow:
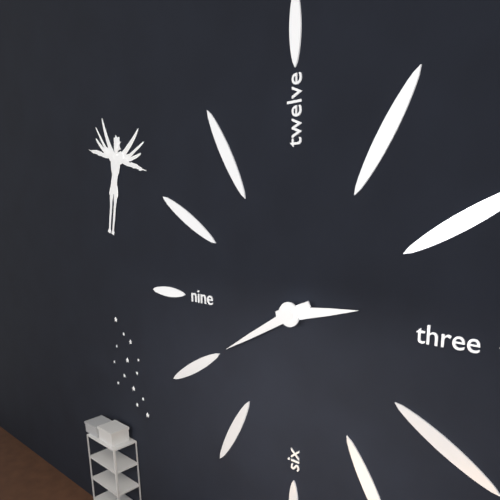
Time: 2h40
